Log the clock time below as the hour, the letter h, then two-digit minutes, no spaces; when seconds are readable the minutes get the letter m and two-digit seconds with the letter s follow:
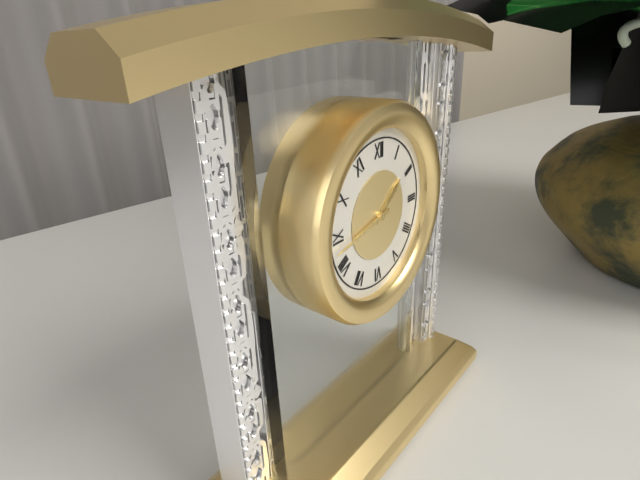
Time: 1h43
